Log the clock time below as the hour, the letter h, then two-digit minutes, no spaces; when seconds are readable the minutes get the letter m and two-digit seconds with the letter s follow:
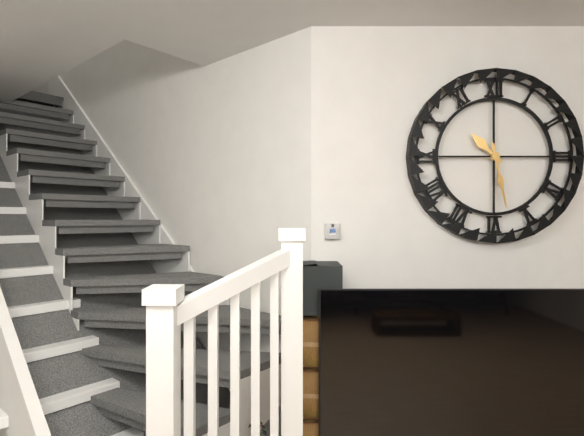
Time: 10h28
